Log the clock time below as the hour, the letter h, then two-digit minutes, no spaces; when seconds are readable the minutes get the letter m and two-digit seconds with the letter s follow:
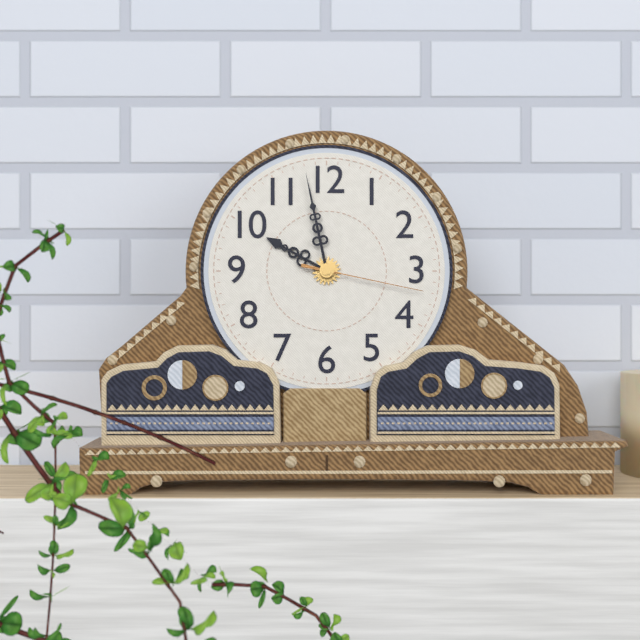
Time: 9h58m17s
